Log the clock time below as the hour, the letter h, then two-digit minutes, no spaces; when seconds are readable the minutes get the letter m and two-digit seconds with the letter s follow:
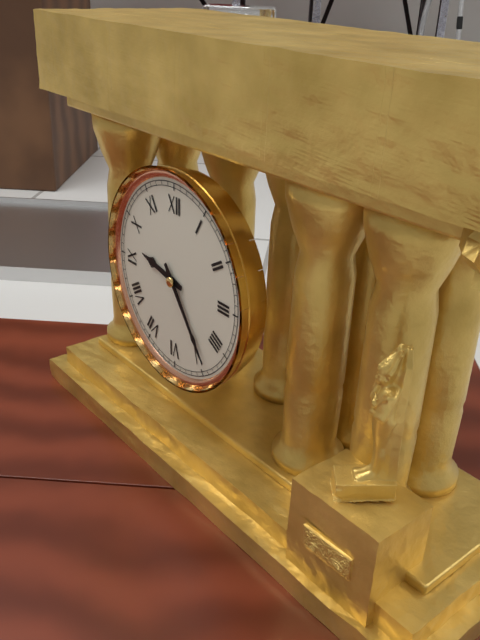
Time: 9h24
